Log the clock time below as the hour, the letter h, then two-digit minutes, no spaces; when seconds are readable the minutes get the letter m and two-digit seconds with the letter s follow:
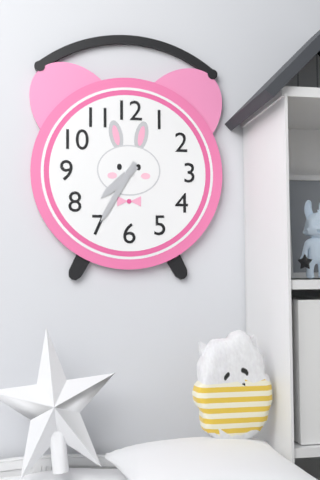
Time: 7h35
